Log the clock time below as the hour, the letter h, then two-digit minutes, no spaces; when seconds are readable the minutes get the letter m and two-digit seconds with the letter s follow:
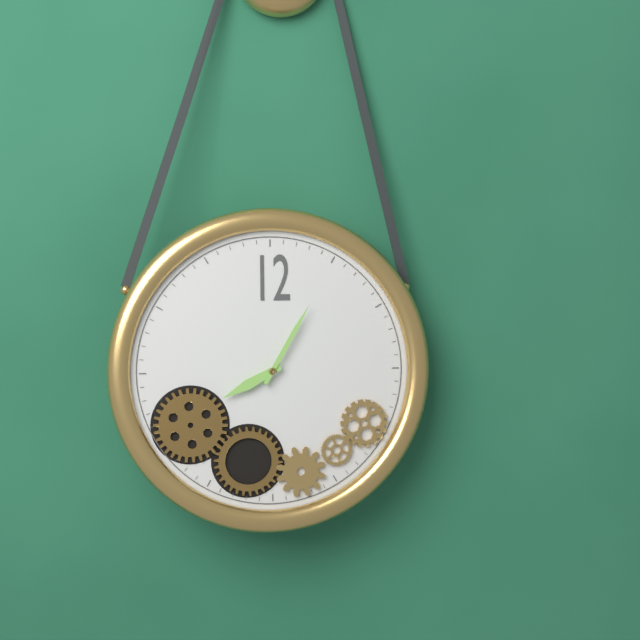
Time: 8h05
